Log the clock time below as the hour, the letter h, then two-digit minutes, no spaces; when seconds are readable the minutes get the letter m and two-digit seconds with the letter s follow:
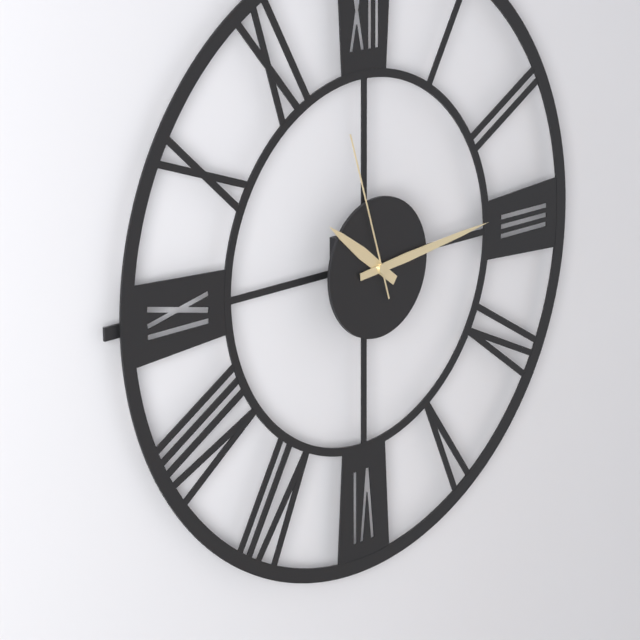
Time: 10h14m57s
